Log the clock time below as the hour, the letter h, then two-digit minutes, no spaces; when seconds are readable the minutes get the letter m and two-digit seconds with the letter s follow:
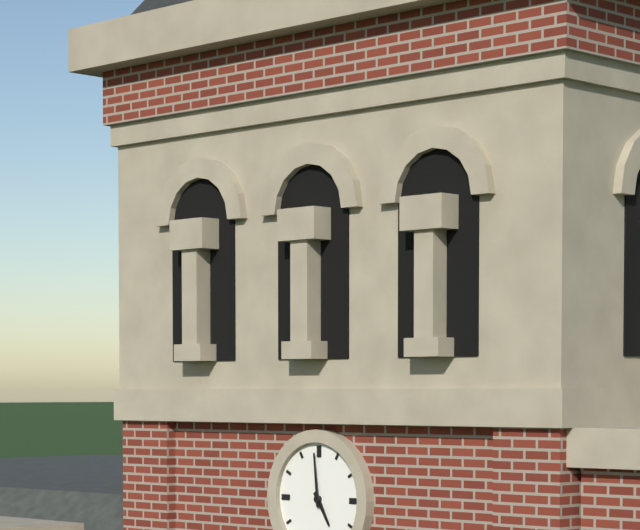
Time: 4h59
